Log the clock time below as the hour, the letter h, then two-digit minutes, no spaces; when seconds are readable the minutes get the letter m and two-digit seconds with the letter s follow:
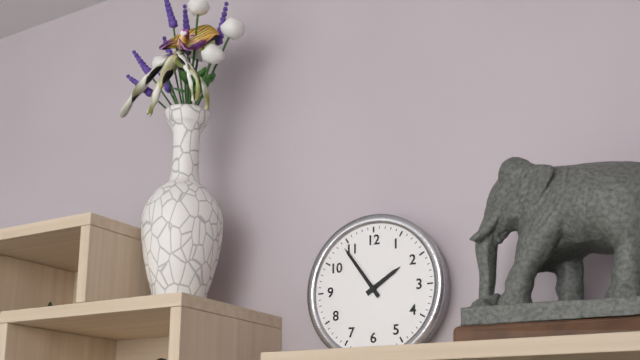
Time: 1h54
